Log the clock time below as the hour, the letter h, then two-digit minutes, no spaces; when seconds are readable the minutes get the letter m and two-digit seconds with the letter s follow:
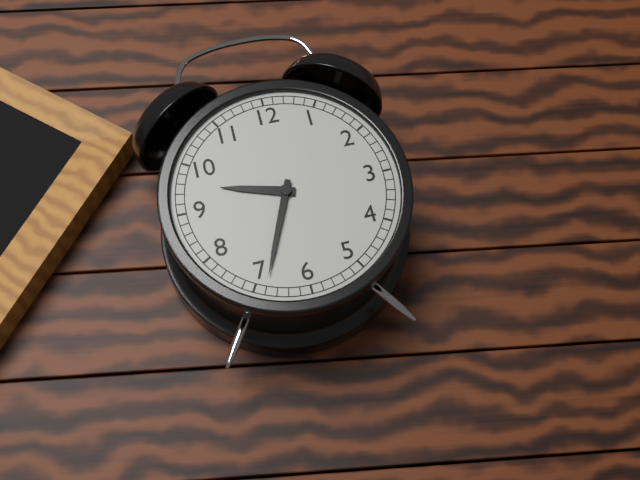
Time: 9h34
